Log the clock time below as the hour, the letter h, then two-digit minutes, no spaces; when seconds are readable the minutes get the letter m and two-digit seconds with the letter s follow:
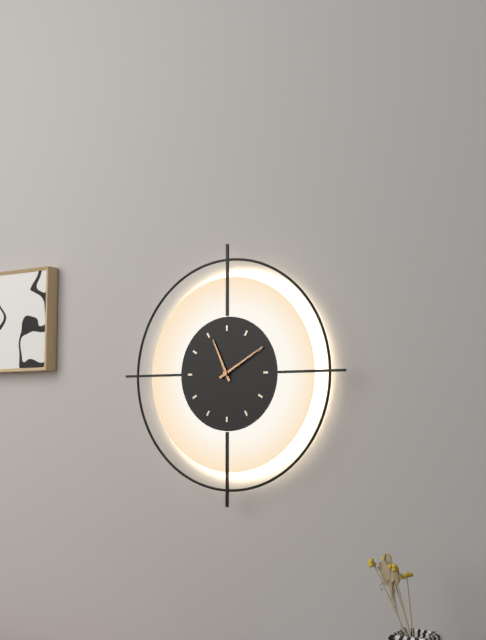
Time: 11h10
